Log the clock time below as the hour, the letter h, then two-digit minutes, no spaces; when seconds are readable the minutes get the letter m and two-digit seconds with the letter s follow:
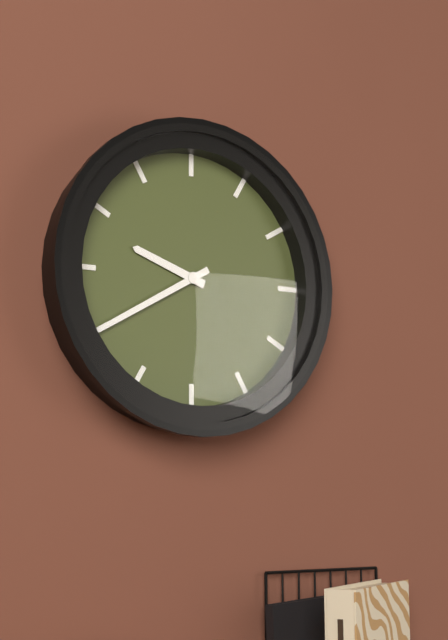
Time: 9h40
